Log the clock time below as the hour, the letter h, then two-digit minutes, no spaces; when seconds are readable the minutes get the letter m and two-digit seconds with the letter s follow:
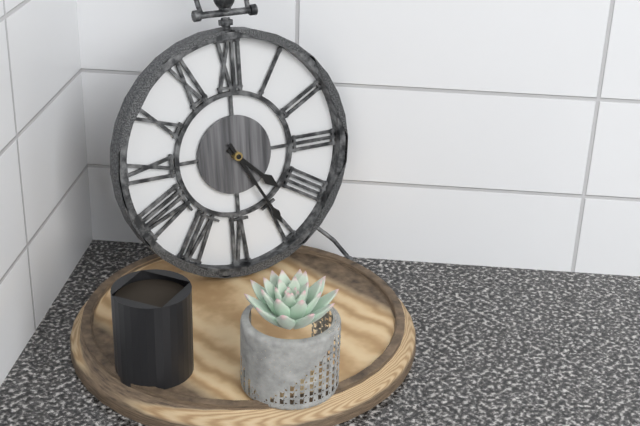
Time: 4h25
